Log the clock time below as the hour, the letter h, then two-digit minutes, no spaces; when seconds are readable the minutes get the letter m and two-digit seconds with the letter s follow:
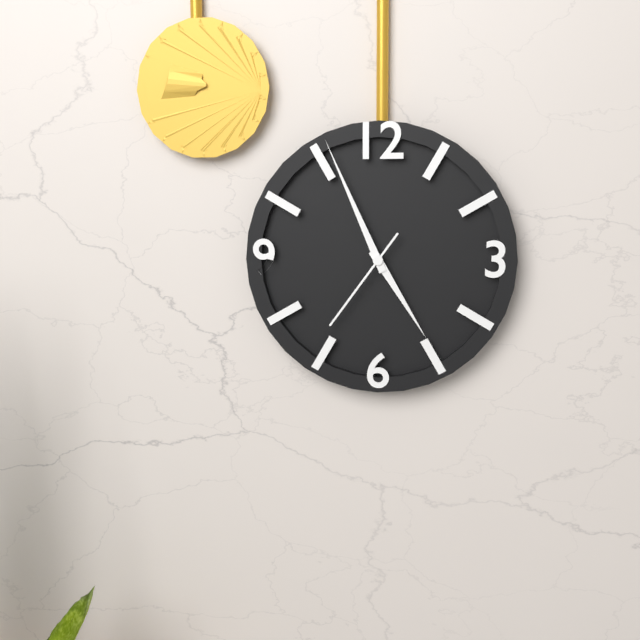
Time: 4h56m36s
